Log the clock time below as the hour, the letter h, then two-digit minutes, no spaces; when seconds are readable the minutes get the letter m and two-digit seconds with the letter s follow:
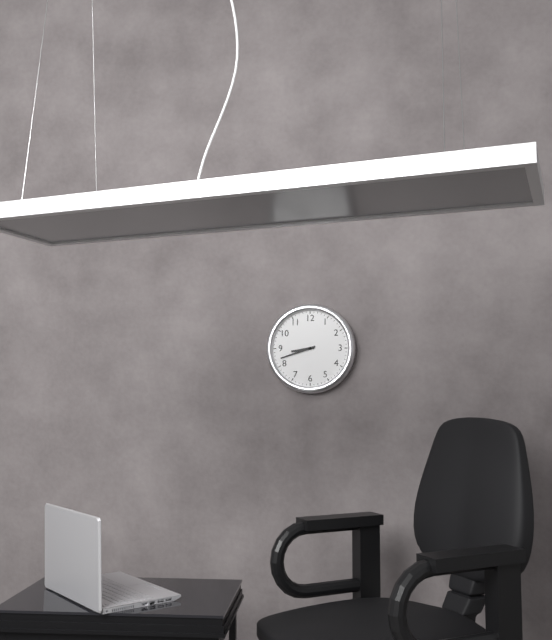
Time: 8h42
